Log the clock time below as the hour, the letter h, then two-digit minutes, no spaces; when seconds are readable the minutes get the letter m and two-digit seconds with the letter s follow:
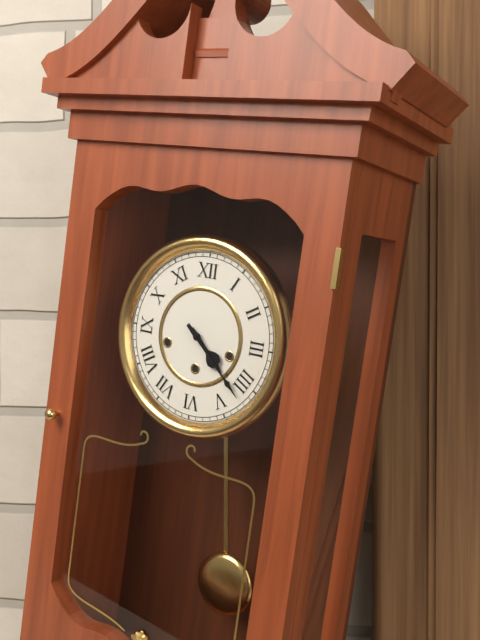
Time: 4h22
